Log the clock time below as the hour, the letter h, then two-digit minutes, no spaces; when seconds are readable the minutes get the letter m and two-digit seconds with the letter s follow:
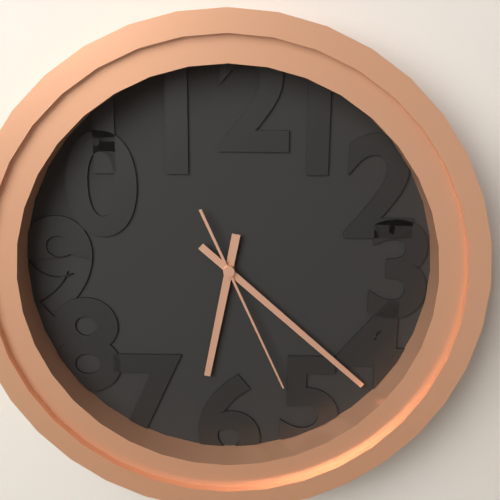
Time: 6h22m26s
